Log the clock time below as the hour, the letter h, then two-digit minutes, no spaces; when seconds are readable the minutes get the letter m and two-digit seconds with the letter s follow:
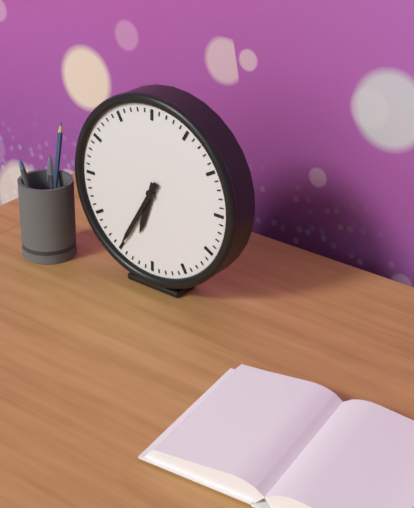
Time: 6h35
